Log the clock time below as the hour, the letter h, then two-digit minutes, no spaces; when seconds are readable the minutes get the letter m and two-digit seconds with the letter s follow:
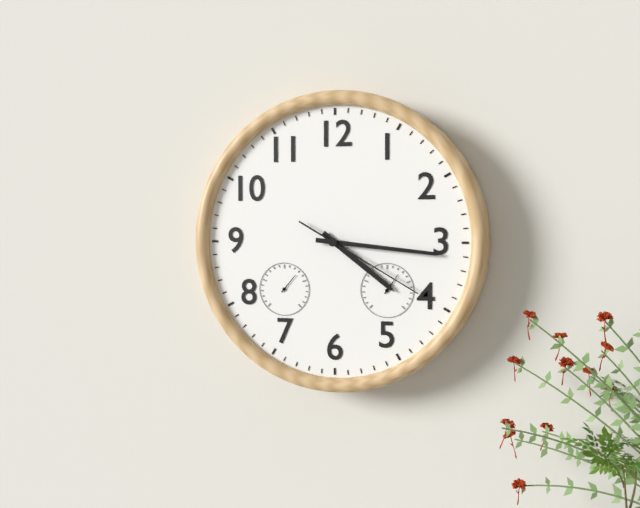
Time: 4h16m20s
